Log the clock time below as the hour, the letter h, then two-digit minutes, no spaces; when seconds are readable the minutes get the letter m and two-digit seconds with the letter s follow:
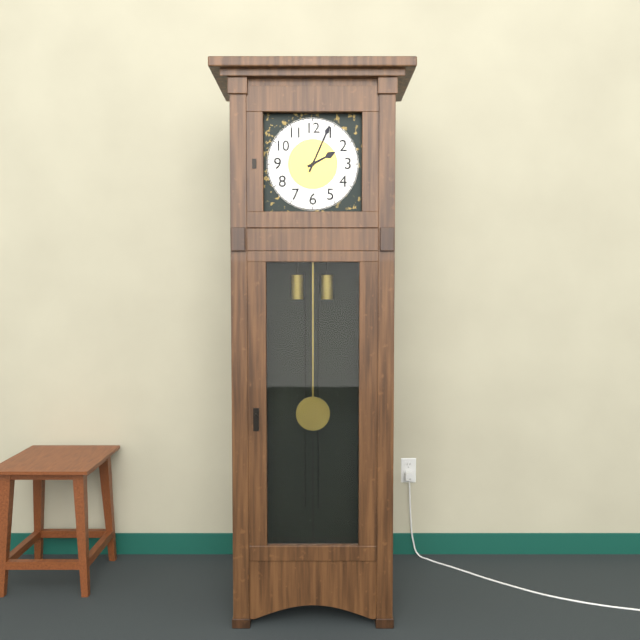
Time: 2h04
